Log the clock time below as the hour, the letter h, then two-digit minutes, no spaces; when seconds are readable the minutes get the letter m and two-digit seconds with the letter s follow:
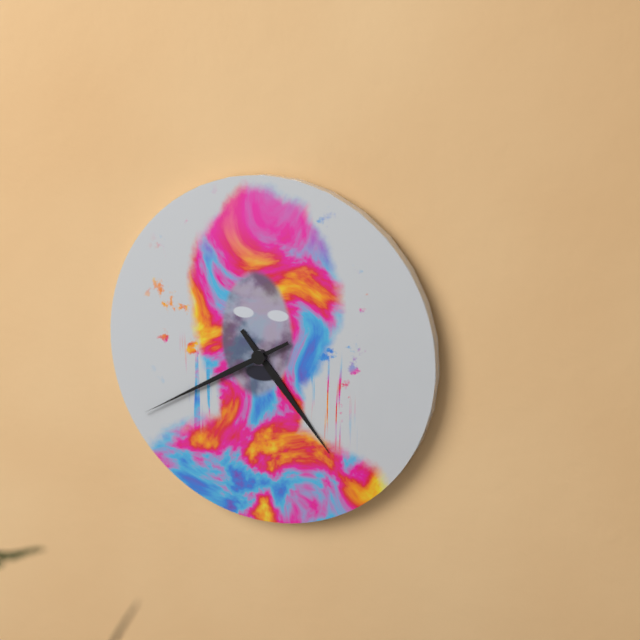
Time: 4h40
